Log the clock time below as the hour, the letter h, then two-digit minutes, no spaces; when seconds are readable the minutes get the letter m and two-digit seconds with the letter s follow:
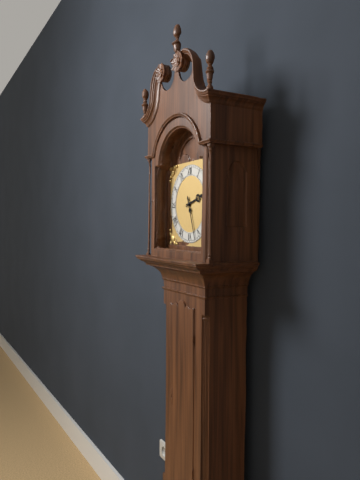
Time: 2h27
